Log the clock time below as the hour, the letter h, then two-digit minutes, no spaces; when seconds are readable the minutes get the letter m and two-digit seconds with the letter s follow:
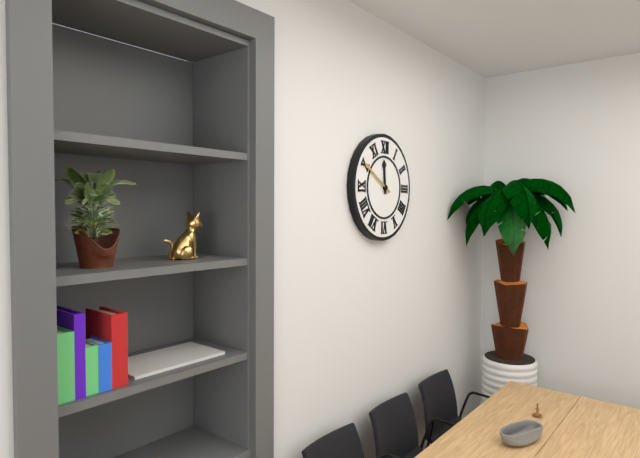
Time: 11h50
